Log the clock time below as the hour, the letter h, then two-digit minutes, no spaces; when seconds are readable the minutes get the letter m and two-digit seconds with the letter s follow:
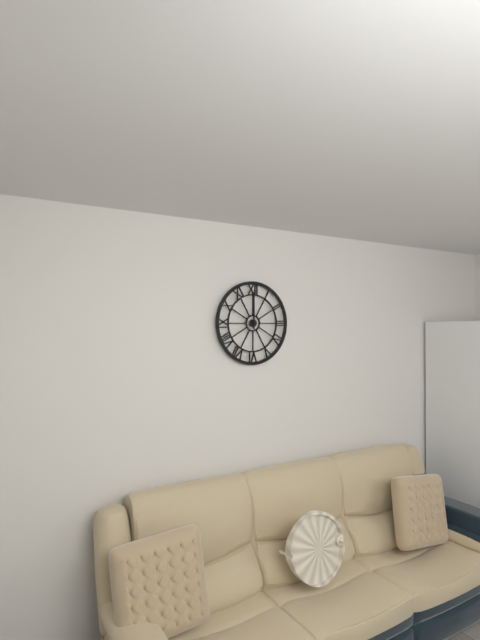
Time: 12h00
